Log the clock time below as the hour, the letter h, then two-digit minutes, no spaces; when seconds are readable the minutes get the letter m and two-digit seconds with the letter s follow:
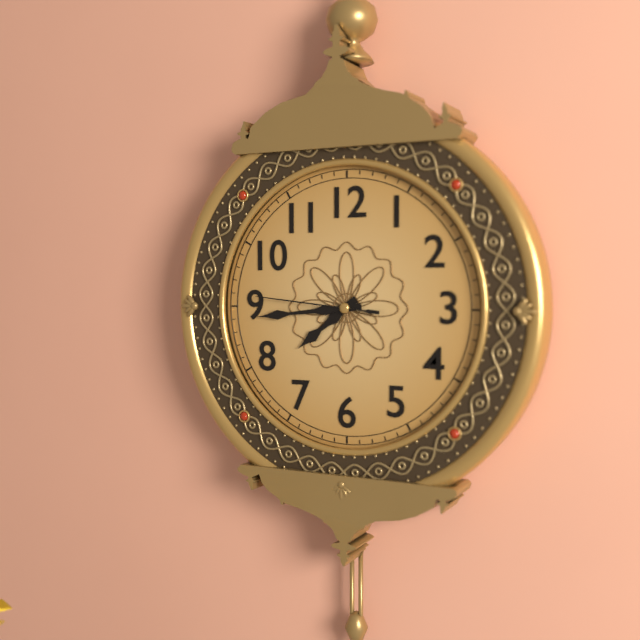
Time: 7h44m46s
